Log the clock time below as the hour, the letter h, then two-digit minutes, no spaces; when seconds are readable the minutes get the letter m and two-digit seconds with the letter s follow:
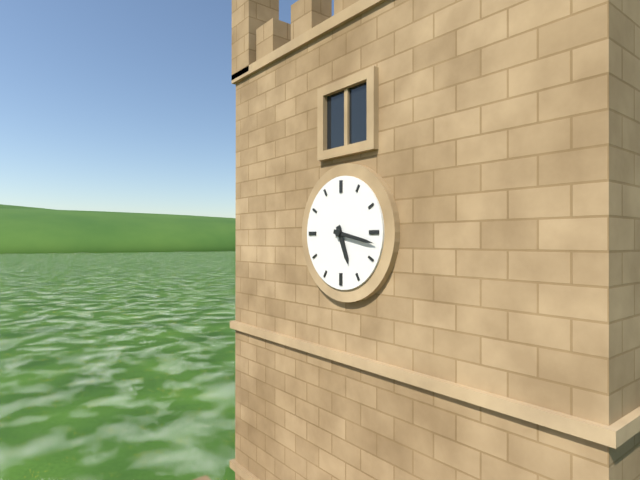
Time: 5h17
